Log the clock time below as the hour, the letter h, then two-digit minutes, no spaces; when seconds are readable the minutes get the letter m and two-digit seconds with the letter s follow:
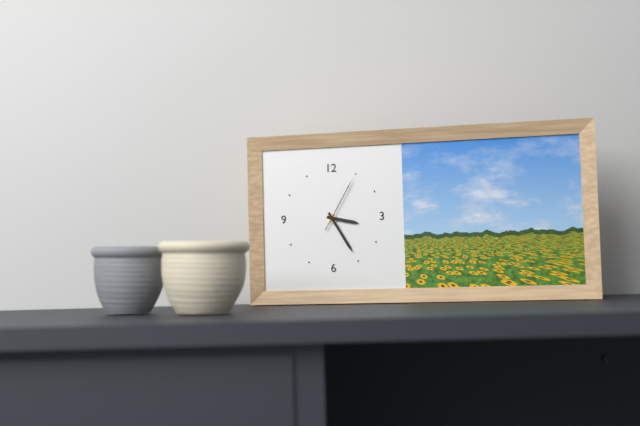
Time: 3h25m05s
